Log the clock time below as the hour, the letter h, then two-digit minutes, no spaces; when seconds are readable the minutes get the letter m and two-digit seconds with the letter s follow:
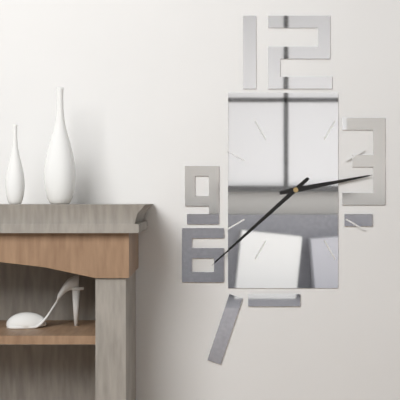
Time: 2h38
